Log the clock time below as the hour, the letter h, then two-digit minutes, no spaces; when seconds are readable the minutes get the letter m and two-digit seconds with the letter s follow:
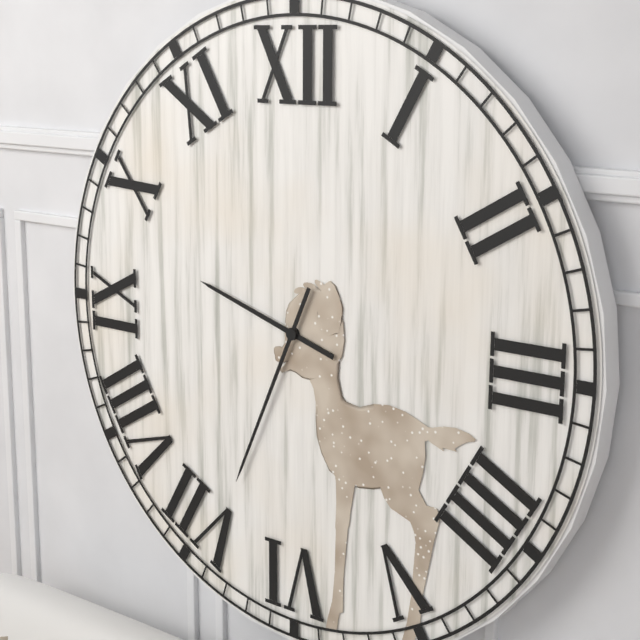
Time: 9h34
